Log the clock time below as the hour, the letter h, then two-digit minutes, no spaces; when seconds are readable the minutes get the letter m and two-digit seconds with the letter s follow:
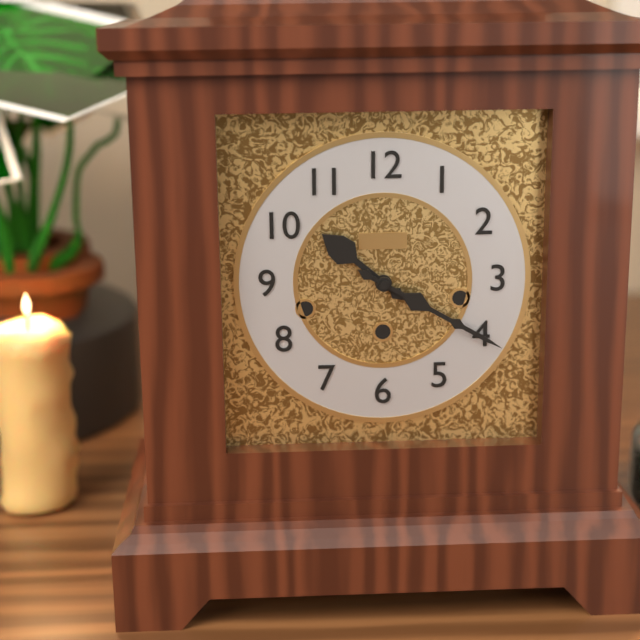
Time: 10h20
